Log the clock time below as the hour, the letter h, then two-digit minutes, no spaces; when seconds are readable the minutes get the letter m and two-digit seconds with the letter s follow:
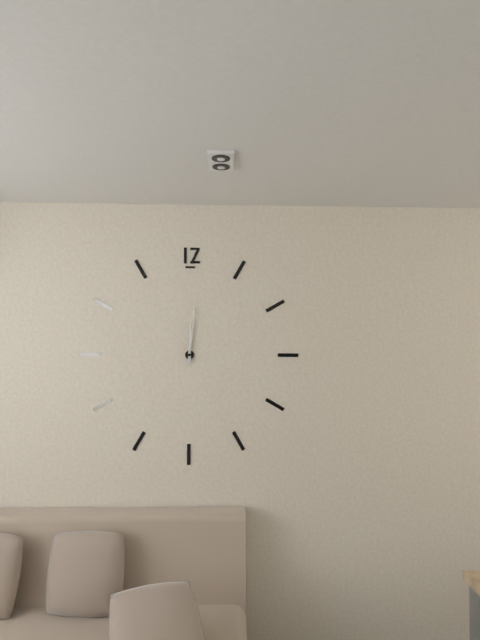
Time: 12h01
